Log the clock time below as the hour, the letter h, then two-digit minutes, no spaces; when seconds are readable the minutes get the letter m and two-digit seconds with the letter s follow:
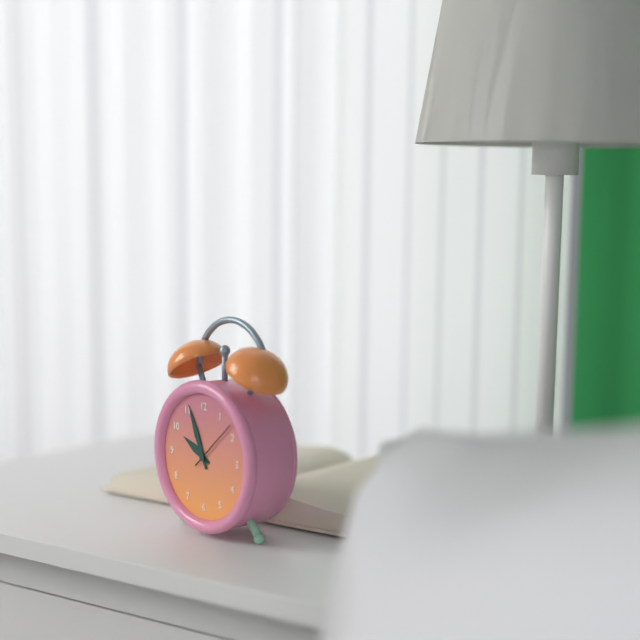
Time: 9h56
